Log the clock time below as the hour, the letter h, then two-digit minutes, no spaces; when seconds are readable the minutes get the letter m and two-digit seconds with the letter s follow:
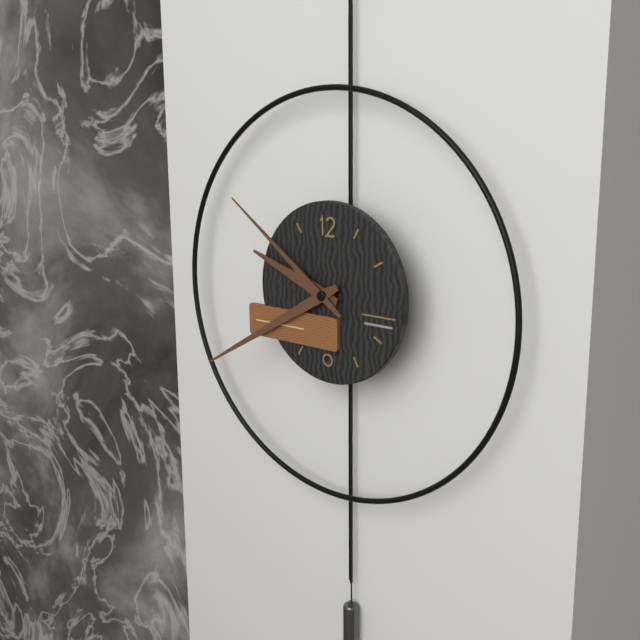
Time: 9h40m51s
